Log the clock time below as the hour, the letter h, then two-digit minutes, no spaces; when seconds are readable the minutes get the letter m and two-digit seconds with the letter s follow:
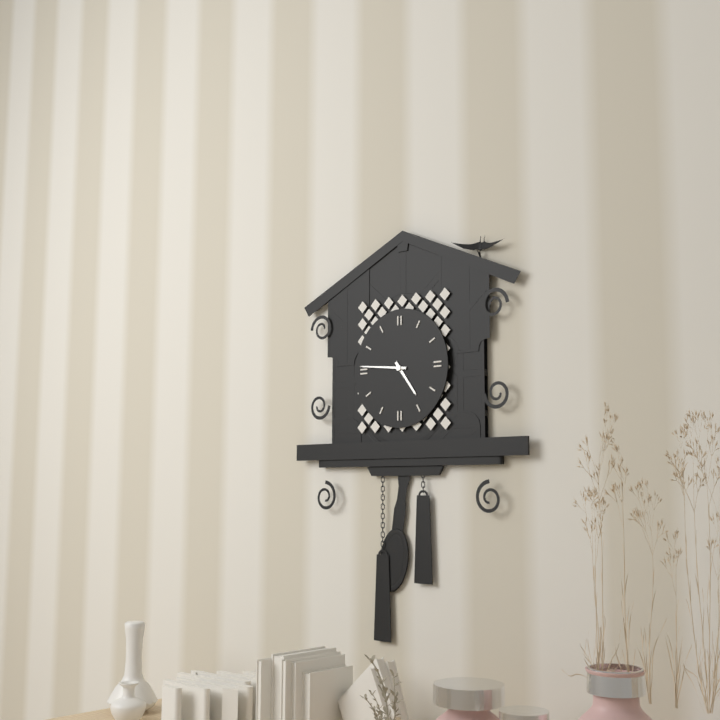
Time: 4h46
